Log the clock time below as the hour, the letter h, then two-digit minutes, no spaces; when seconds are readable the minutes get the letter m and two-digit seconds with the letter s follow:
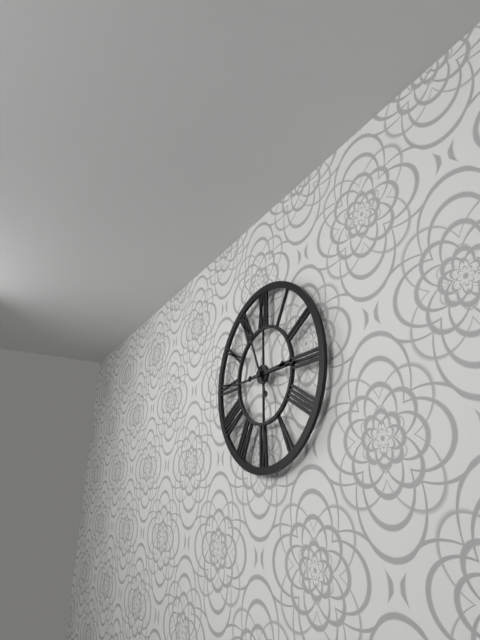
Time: 2h56
